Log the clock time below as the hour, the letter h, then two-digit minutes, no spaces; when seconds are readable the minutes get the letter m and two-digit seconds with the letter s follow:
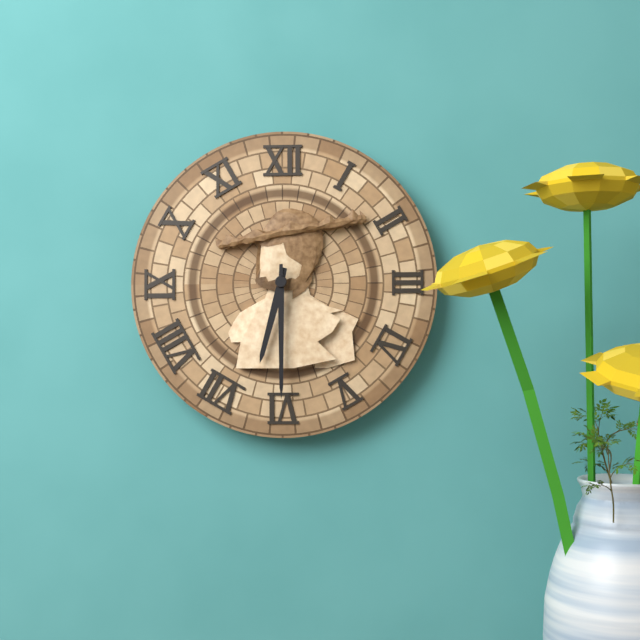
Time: 6h30
